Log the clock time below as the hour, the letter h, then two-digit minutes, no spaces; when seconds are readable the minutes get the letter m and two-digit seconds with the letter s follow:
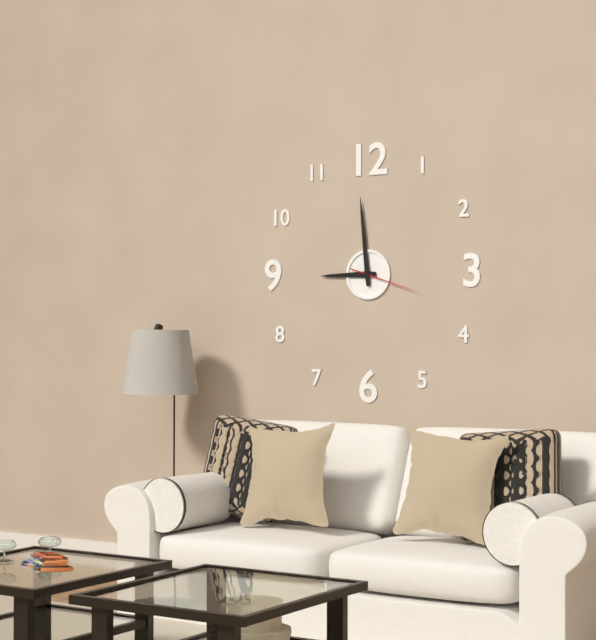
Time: 8h59m18s
